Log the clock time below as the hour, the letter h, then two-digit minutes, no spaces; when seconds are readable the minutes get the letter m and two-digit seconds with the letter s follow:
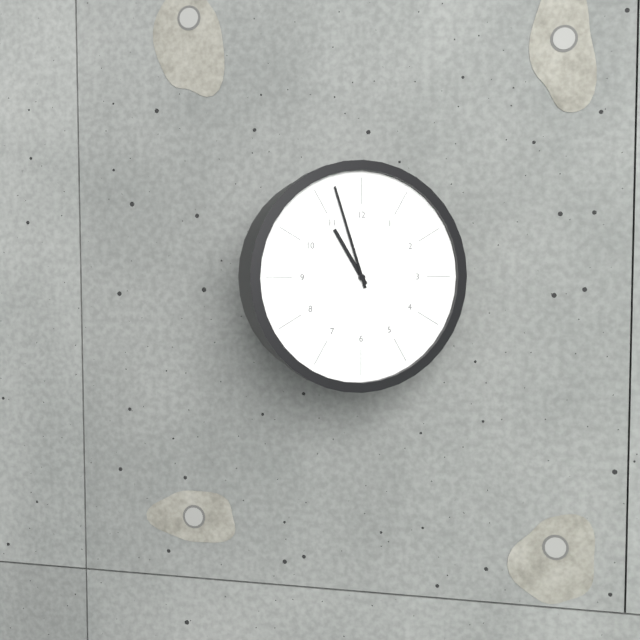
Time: 10h57
